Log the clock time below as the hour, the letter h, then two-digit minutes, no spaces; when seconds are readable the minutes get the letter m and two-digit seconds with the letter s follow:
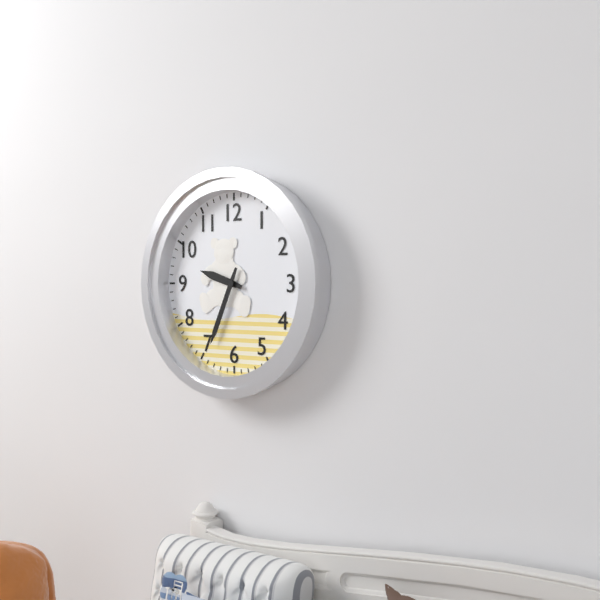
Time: 9h34
